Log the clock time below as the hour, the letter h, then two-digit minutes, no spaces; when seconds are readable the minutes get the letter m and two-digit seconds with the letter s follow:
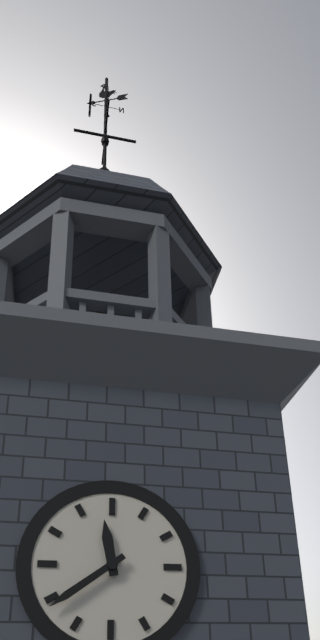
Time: 11h39
